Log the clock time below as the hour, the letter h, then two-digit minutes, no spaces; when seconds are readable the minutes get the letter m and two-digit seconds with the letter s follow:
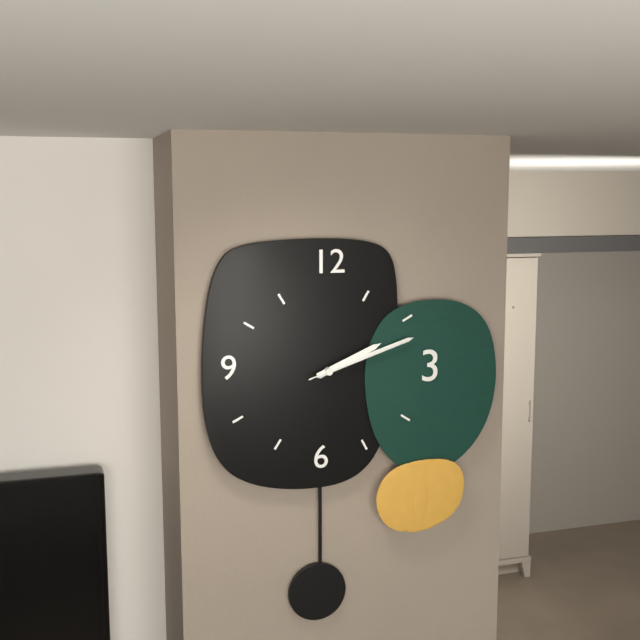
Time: 2h12m12s
